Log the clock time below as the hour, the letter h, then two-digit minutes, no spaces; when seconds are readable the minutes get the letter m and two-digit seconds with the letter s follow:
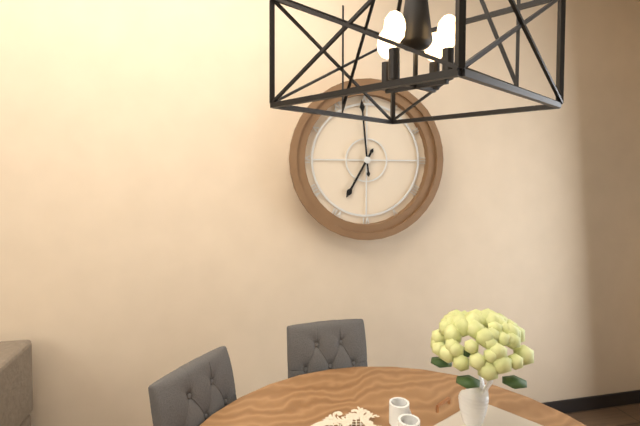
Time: 6h59
